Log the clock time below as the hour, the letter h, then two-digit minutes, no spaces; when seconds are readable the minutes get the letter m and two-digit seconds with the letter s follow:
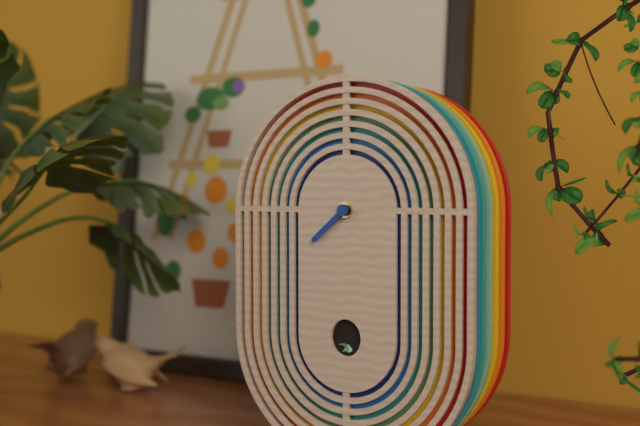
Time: 7h38
